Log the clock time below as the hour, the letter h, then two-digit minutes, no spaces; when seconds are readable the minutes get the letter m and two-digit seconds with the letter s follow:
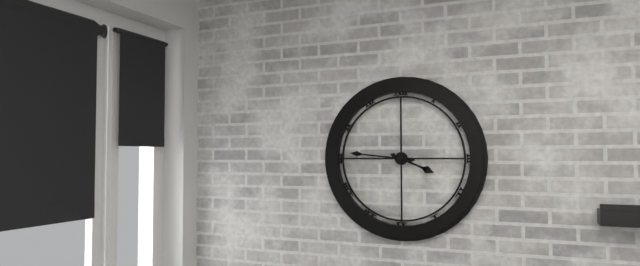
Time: 3h46
